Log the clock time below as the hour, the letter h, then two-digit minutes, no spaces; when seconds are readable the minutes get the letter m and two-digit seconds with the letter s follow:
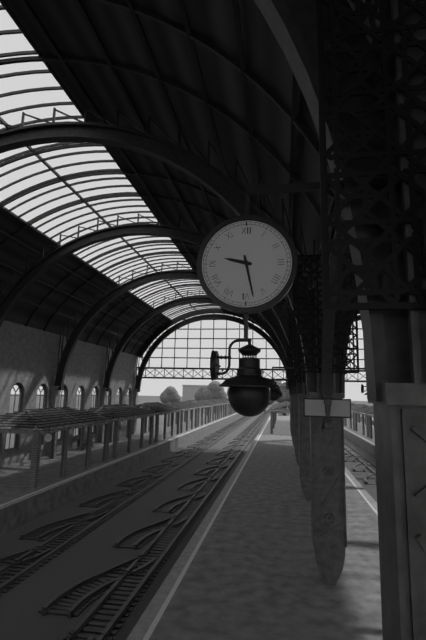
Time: 9h28
